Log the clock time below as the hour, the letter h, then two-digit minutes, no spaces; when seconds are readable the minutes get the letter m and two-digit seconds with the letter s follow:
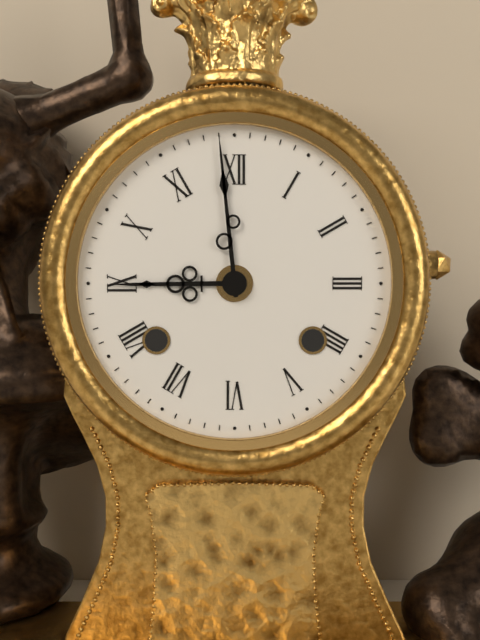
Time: 8h59
